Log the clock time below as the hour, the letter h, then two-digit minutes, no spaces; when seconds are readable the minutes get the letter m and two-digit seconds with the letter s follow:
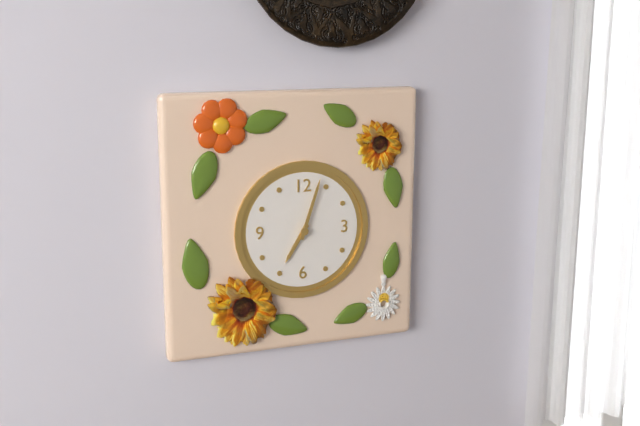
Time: 7h03
